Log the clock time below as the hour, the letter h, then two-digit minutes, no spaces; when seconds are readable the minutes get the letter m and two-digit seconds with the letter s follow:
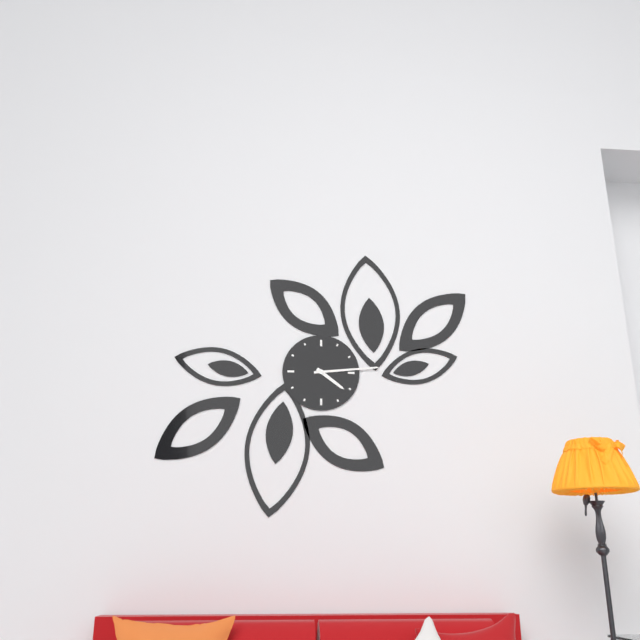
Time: 4h14
